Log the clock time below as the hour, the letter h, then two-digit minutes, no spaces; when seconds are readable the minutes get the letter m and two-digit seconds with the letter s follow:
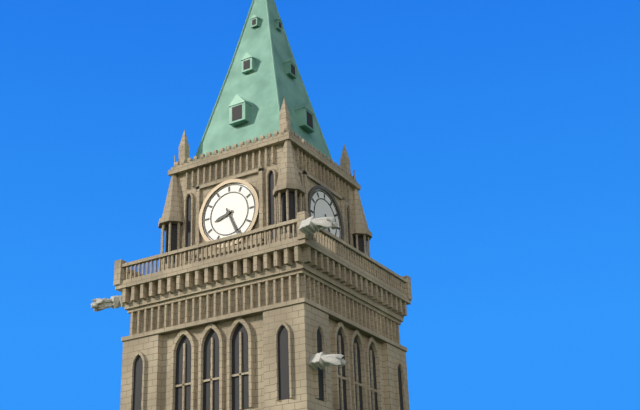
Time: 8h26
